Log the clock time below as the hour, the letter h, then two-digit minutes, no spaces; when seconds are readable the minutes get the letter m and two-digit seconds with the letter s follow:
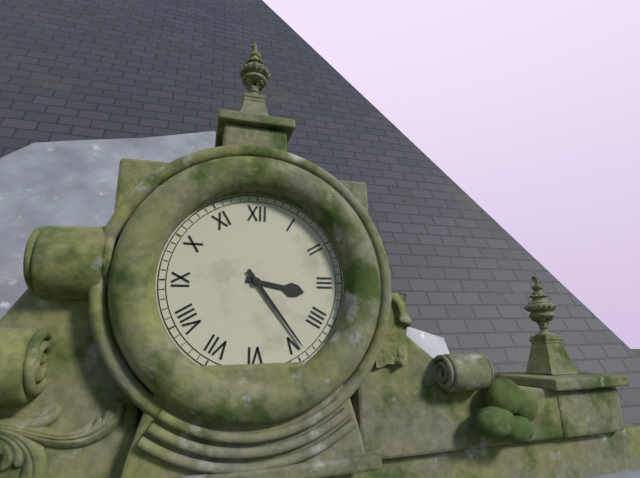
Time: 3h24
